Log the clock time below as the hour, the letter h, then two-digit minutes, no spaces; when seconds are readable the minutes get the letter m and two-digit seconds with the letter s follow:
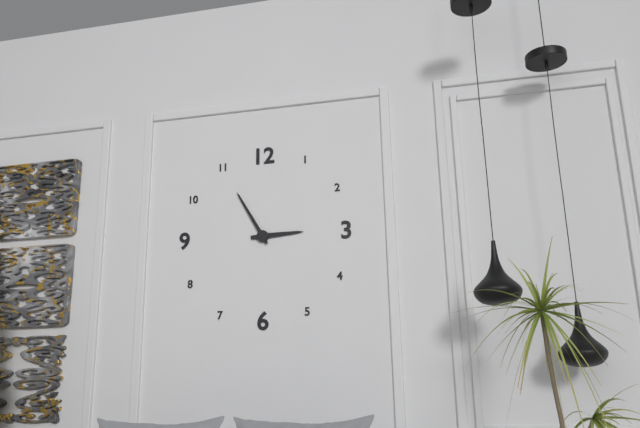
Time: 2h55
